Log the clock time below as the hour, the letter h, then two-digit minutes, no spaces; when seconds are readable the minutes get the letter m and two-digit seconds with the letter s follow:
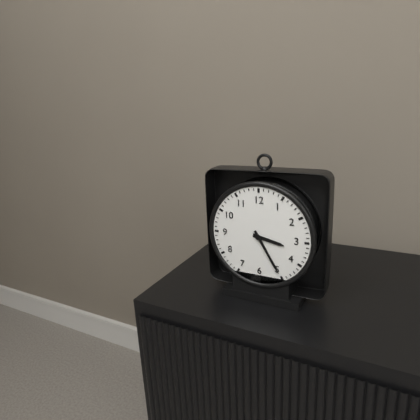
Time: 3h25
